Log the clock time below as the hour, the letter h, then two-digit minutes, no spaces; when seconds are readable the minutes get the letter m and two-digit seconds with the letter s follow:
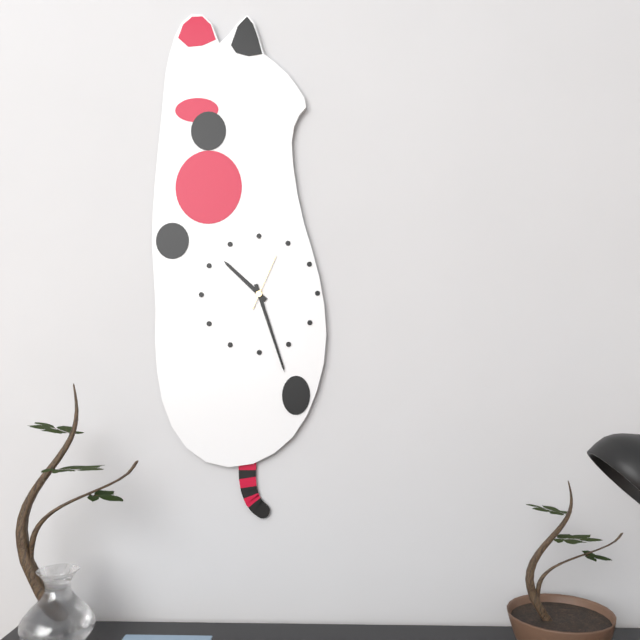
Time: 10h27m04s
